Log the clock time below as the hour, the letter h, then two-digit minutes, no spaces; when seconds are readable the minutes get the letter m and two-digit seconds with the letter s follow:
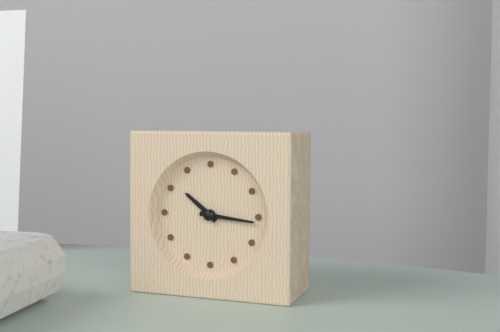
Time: 10h16
